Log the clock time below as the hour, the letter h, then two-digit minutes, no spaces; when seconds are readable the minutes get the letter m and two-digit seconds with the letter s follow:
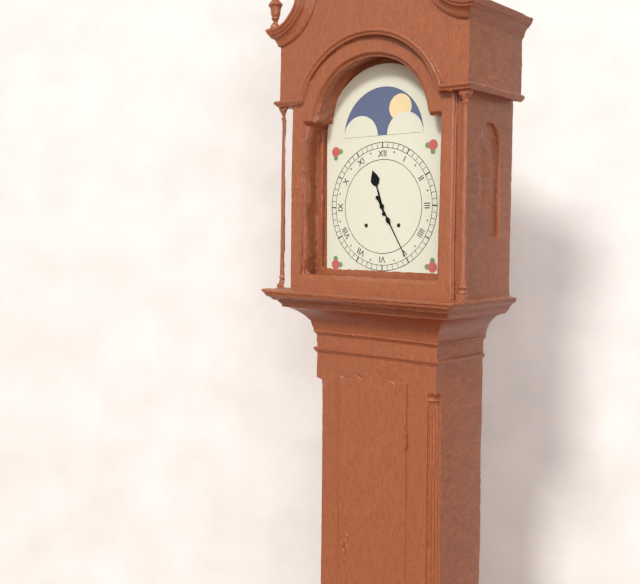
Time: 11h25
